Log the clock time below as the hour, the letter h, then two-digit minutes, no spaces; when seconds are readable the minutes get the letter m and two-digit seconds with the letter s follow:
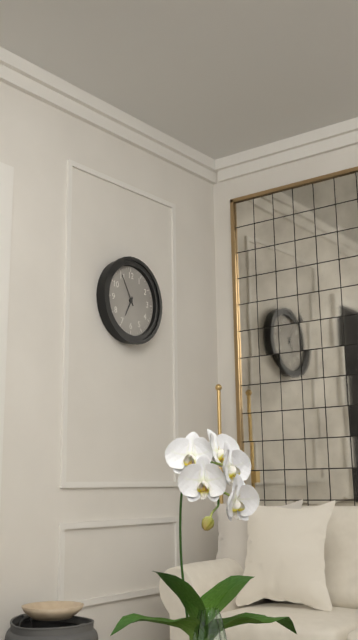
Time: 6h55
